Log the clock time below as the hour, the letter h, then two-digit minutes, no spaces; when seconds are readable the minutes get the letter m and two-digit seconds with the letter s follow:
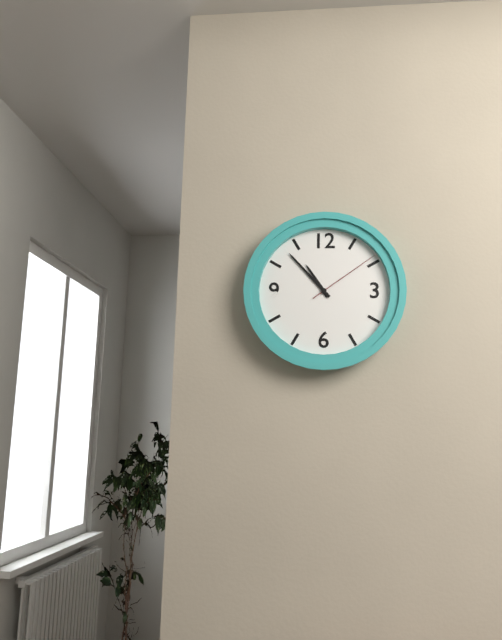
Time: 10h53m09s
